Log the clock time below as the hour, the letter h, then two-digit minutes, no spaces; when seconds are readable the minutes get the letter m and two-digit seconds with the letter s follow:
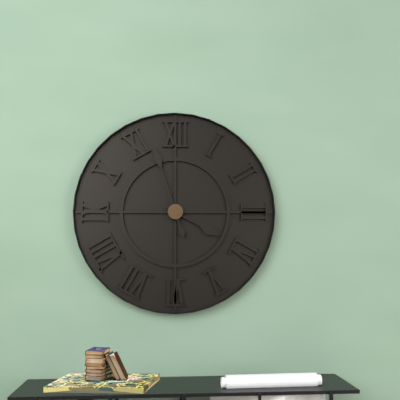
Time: 3h57
